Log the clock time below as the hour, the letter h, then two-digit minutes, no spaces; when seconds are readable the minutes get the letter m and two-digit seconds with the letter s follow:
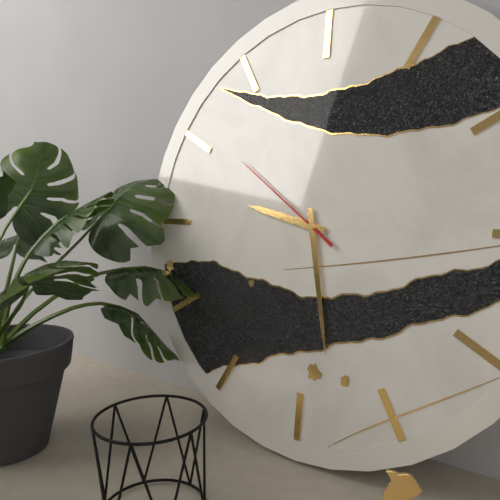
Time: 9h28m51s
